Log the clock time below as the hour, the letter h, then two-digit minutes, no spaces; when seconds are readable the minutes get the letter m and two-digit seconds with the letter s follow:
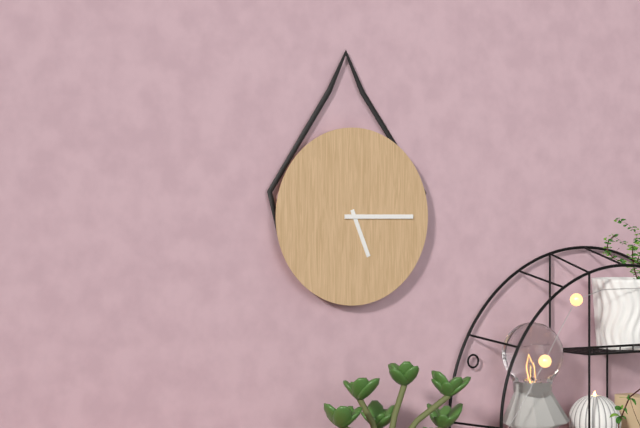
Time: 5h15
